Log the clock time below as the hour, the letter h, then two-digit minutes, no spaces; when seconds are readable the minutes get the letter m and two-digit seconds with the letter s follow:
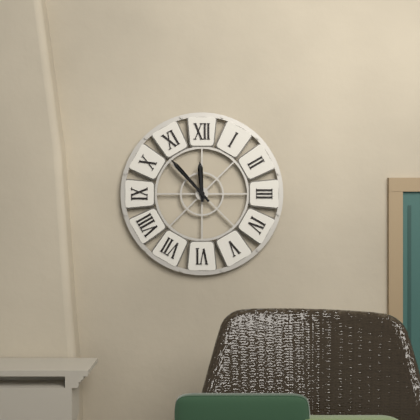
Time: 11h53
